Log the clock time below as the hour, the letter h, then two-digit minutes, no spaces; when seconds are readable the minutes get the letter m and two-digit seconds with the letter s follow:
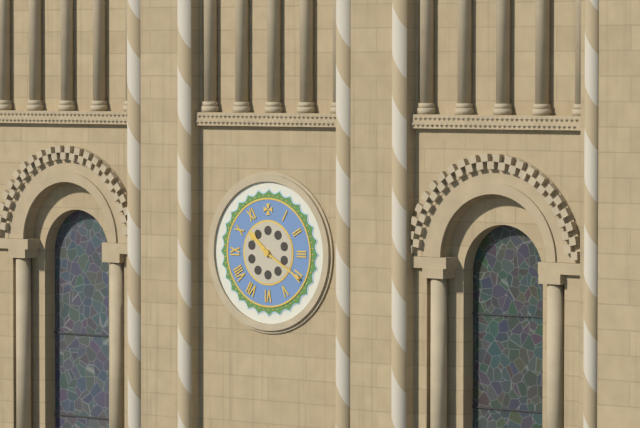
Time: 10h20
